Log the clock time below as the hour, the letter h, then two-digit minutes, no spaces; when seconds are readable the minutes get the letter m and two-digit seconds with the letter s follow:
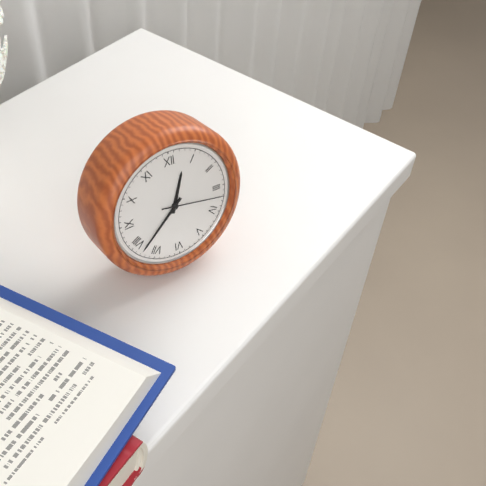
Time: 12h38m17s
